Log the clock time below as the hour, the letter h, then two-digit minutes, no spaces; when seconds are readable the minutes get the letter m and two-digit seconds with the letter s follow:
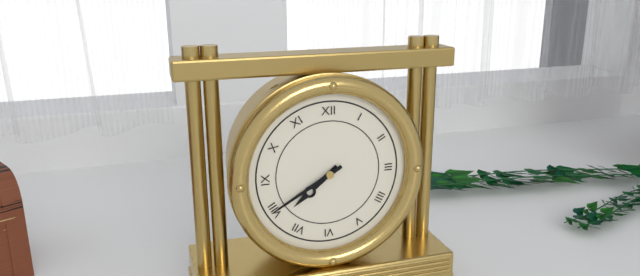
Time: 7h40
